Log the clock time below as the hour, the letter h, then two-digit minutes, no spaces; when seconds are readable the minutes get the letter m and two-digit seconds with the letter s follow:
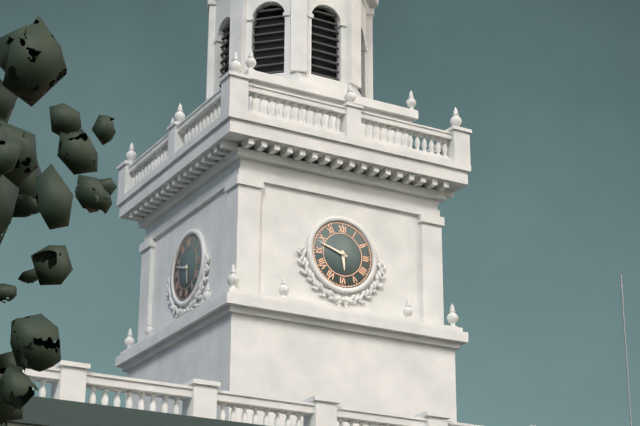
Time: 5h48
